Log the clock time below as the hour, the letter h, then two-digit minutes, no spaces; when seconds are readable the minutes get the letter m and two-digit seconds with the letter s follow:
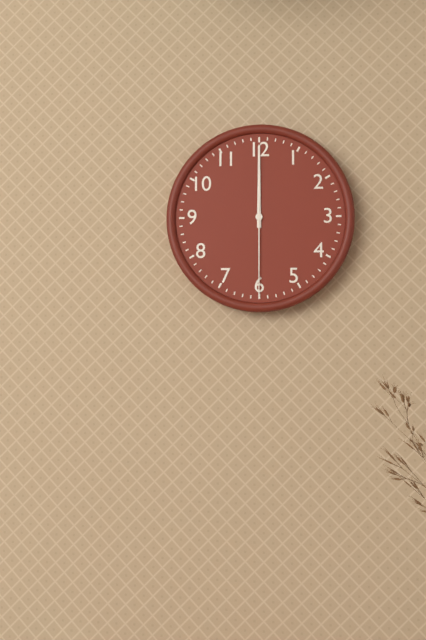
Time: 12h00m30s
